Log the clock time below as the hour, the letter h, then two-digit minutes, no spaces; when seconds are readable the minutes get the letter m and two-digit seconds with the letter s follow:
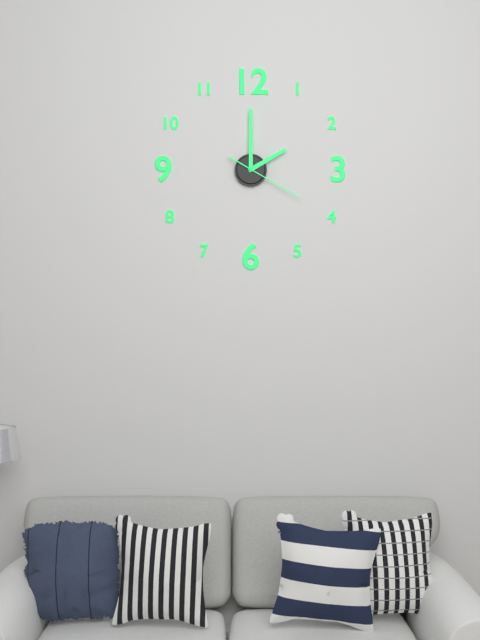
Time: 2h00m20s
